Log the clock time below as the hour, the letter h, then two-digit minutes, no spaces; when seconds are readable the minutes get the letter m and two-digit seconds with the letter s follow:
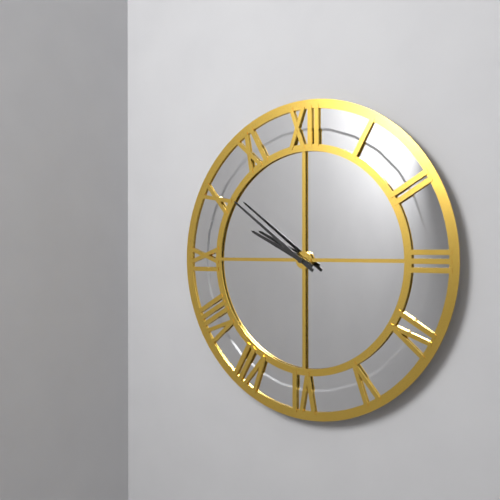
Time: 9h51
